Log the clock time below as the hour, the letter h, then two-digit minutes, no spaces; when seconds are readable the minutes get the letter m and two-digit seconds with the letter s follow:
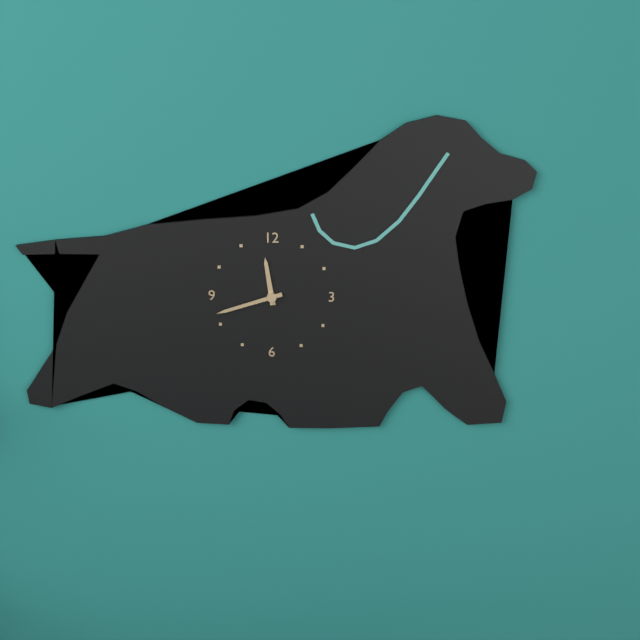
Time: 11h42
